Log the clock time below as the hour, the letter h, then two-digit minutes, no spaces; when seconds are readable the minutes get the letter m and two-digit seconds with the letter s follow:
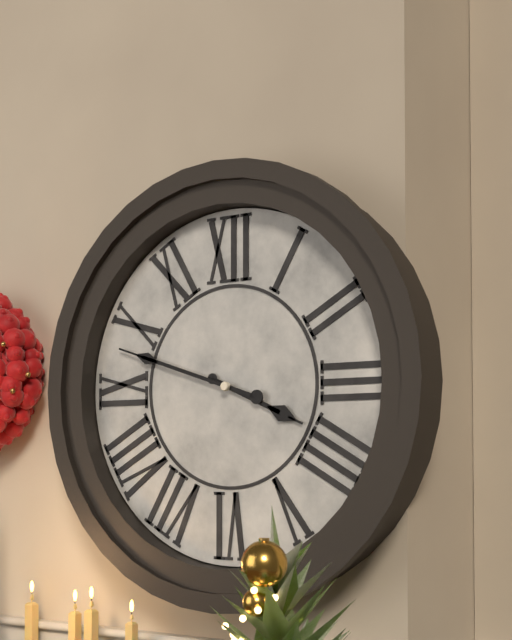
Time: 3h48
